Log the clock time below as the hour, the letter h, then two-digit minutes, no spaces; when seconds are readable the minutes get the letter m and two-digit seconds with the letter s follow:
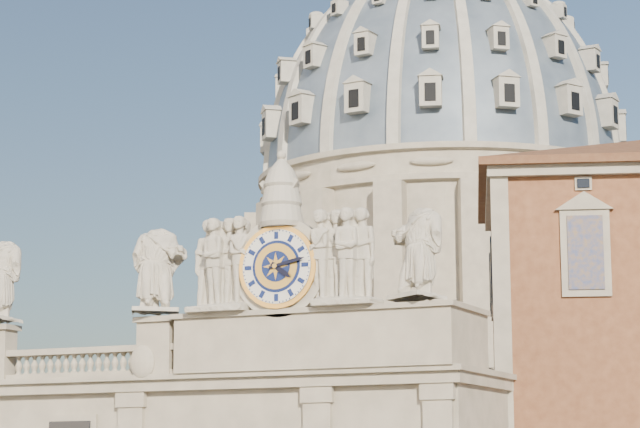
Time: 4h13
